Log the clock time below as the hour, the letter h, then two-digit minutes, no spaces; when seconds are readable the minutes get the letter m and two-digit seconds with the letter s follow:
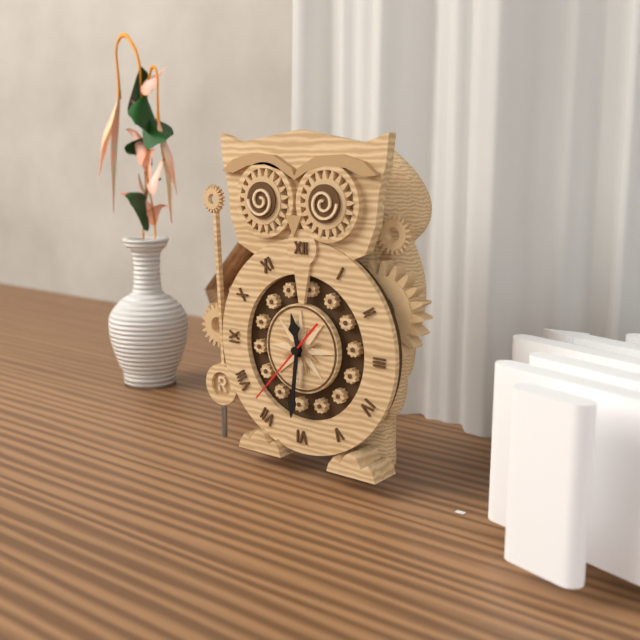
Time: 11h31m37s
